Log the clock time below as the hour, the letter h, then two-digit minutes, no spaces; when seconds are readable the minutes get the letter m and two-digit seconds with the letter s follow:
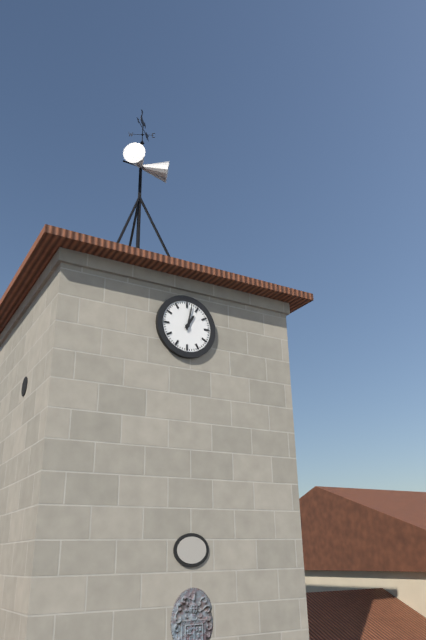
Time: 1h02
